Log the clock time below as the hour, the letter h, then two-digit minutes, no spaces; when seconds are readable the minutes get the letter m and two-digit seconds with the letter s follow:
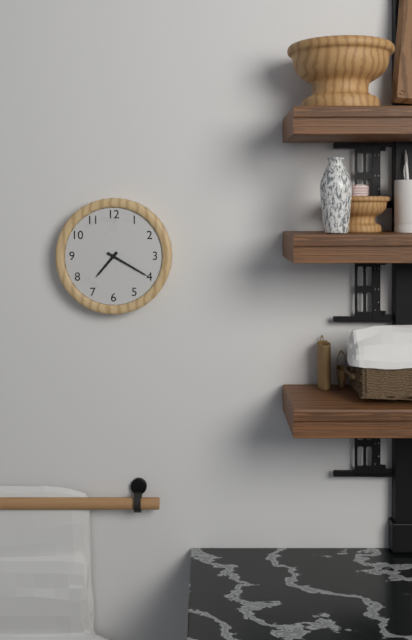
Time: 7h20
